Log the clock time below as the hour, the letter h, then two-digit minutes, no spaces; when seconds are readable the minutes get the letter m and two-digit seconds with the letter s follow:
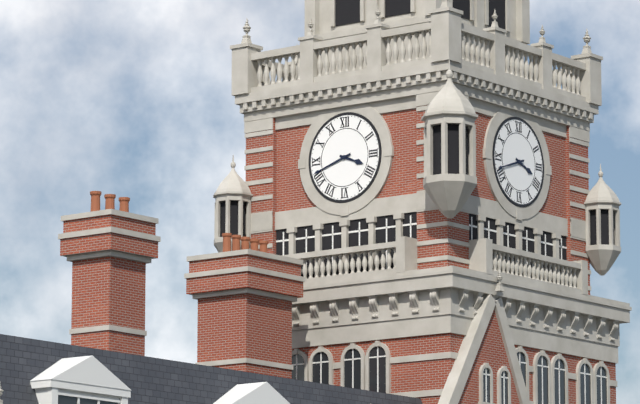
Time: 3h42
